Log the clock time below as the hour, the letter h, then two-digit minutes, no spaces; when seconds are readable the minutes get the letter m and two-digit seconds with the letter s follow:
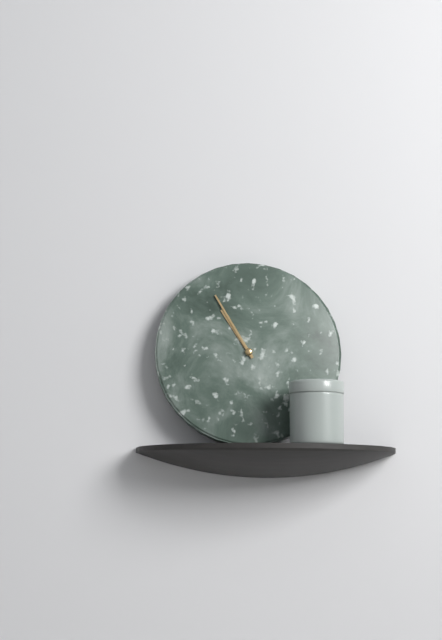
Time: 10h55
